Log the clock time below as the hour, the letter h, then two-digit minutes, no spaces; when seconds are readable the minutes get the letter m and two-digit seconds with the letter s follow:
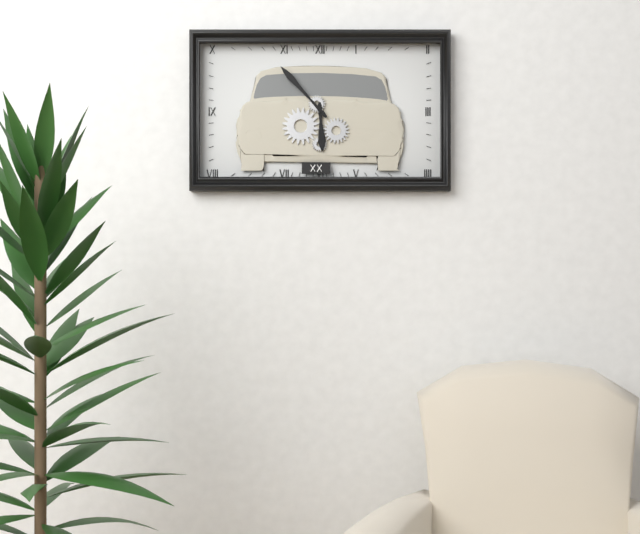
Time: 5h53
